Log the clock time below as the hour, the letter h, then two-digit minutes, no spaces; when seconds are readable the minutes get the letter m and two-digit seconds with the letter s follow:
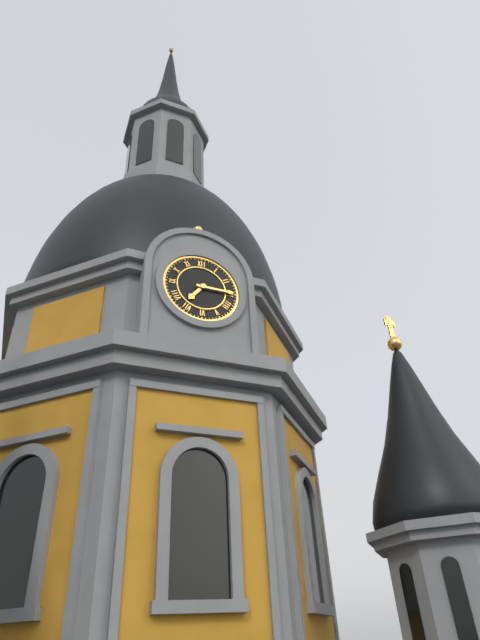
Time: 7h15
